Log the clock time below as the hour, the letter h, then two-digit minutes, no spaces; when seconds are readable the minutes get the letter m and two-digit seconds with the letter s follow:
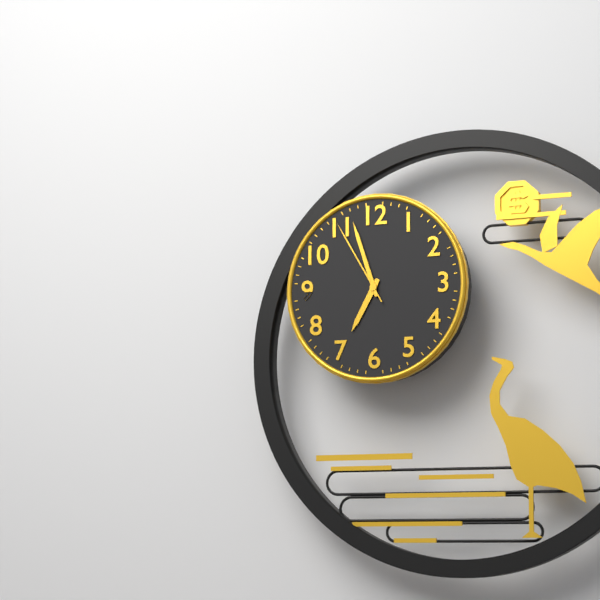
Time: 6h57m55s
